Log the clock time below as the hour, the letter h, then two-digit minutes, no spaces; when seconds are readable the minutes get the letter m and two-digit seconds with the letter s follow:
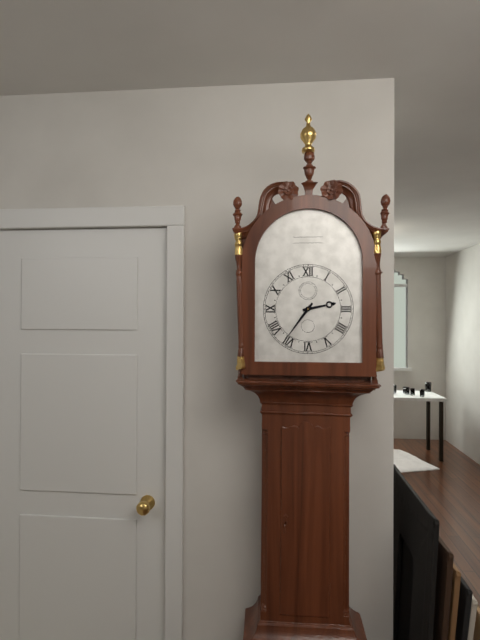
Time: 2h36
